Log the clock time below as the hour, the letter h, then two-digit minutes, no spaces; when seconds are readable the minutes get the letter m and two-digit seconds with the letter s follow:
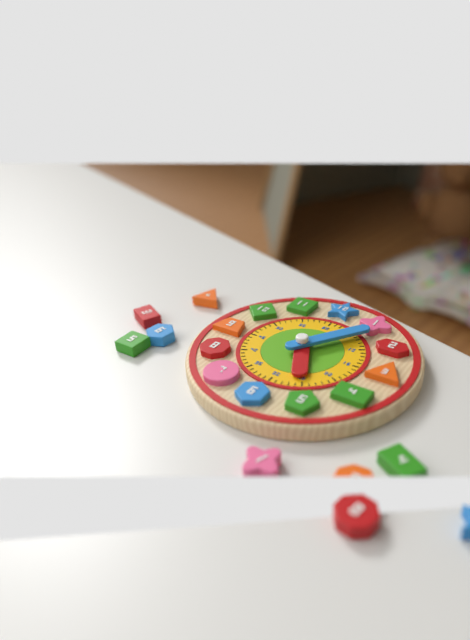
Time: 5h06
